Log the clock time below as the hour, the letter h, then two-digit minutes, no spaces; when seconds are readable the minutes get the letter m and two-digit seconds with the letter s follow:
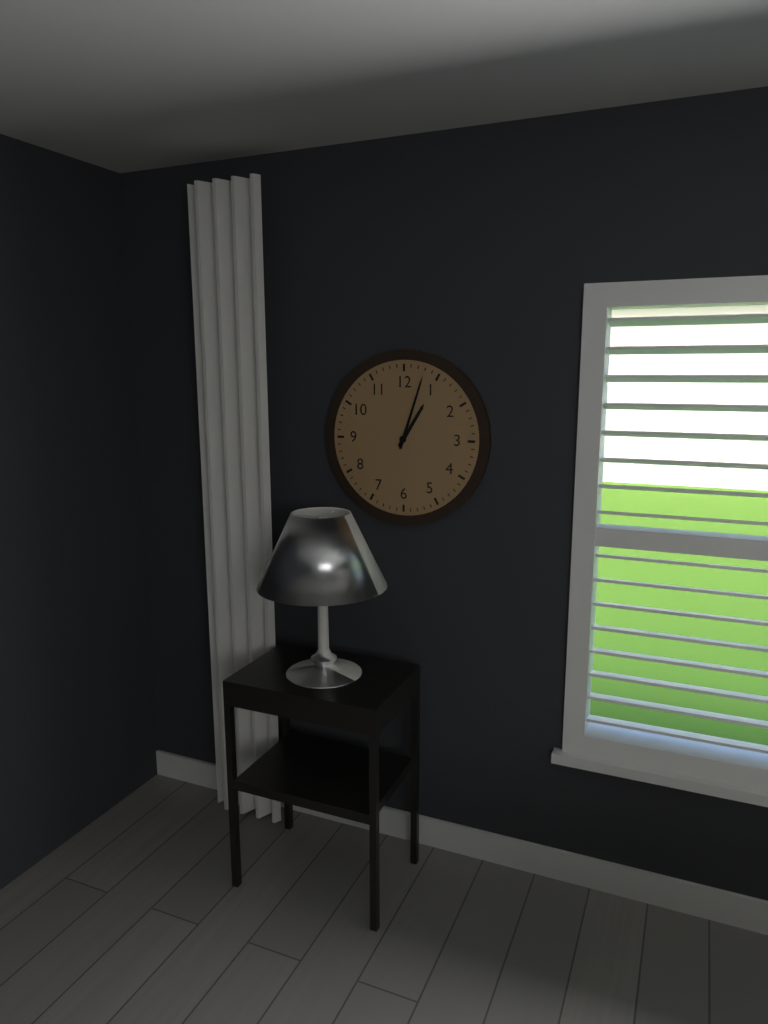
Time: 1h03
